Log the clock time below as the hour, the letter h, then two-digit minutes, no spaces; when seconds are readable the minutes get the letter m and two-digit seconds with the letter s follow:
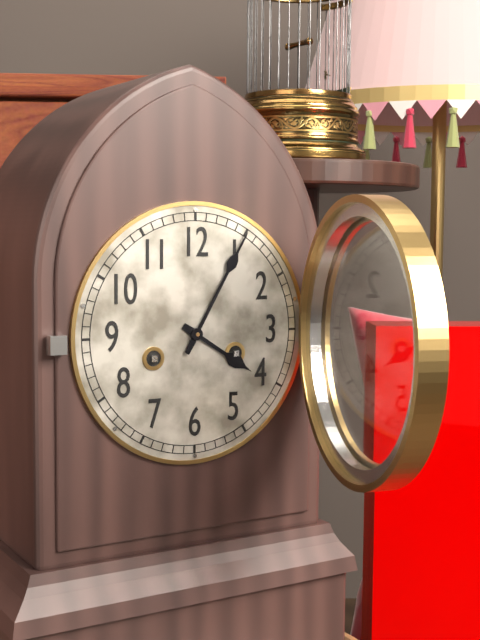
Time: 4h05
